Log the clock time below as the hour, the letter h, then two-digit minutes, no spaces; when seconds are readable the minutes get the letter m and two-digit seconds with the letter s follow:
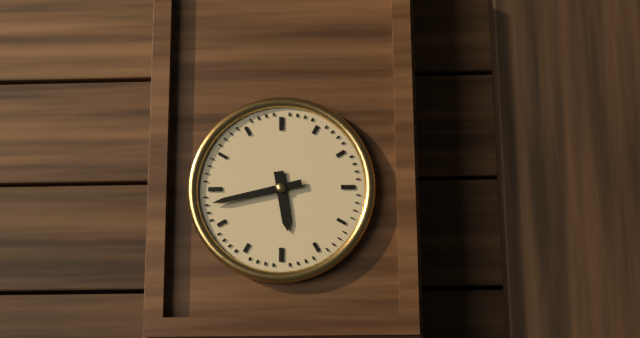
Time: 5h43
